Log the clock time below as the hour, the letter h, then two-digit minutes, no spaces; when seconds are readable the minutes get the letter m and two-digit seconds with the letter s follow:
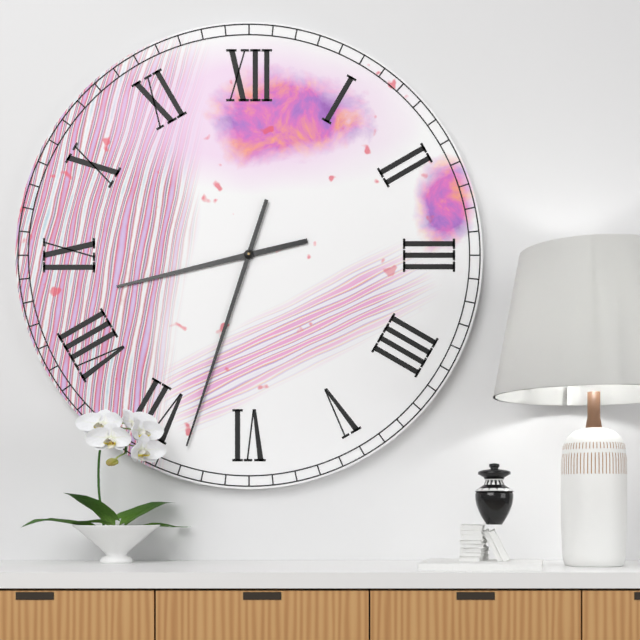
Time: 8h33
